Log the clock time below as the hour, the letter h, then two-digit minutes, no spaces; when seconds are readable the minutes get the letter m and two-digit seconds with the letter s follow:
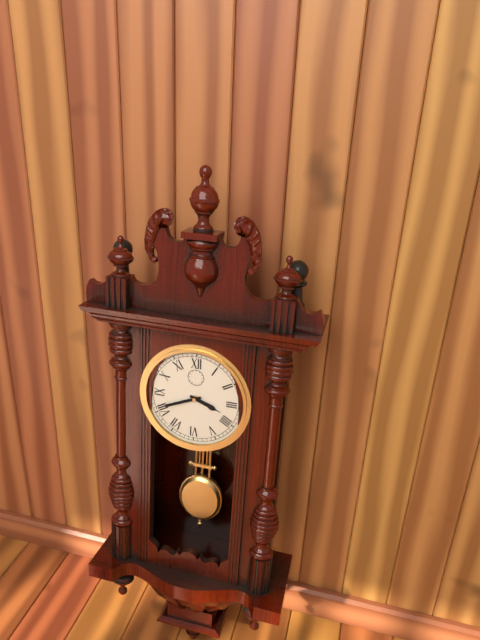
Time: 3h41
